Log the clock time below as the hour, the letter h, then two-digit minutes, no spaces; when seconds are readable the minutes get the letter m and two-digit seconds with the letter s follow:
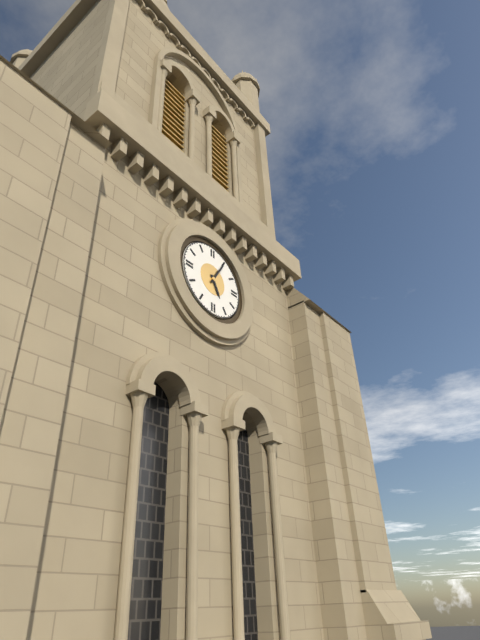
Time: 5h05
